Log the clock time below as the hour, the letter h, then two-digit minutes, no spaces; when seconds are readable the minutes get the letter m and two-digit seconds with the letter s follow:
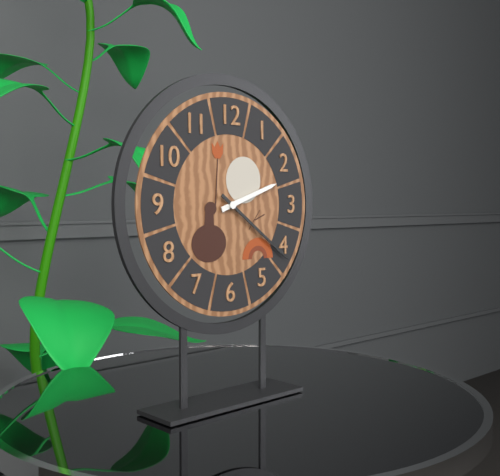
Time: 2h21
